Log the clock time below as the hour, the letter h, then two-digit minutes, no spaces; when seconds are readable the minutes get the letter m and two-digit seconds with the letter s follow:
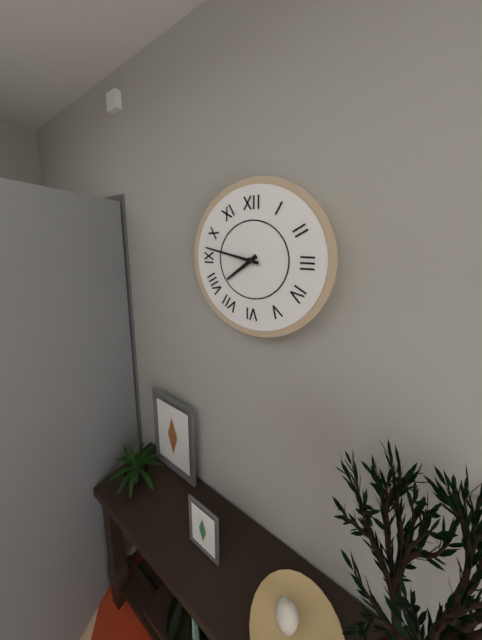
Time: 7h47
